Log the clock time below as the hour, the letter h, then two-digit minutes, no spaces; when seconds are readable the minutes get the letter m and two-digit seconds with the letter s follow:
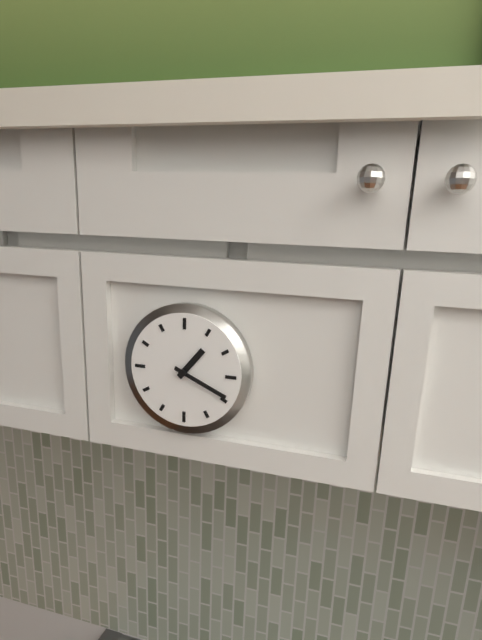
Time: 1h19
